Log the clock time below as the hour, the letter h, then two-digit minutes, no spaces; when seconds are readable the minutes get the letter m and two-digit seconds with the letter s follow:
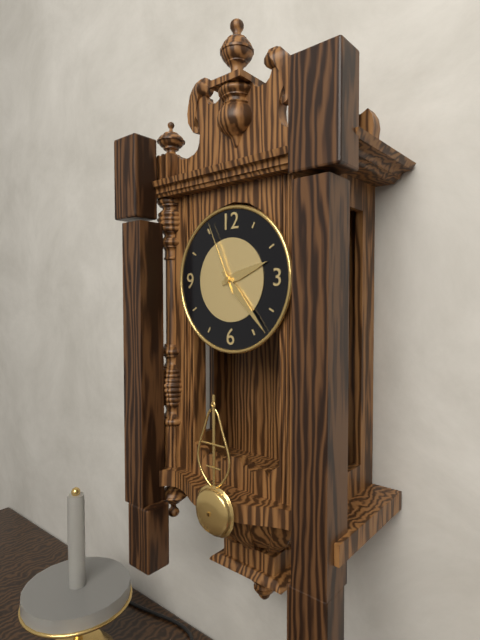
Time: 2h23m56s
